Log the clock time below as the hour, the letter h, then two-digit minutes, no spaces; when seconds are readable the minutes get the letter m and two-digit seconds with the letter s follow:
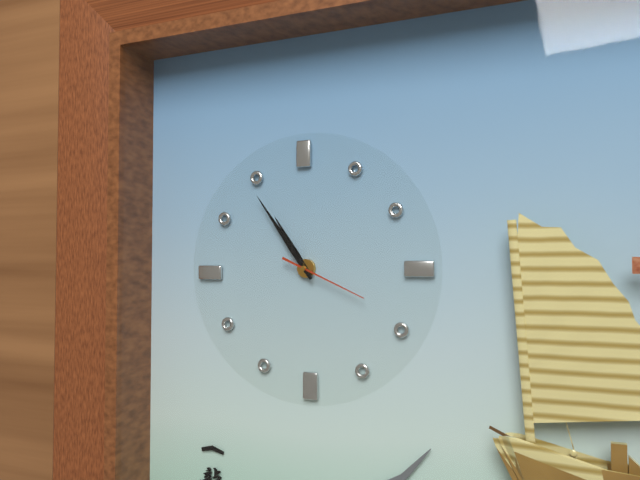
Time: 10h54m19s
